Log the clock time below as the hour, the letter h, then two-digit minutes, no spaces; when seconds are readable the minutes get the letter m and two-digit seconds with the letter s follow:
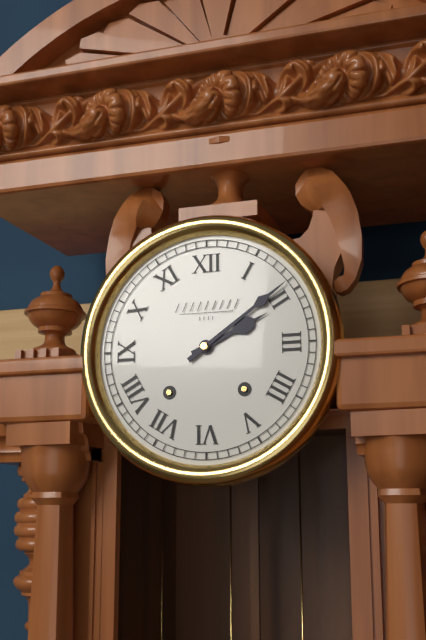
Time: 2h09
